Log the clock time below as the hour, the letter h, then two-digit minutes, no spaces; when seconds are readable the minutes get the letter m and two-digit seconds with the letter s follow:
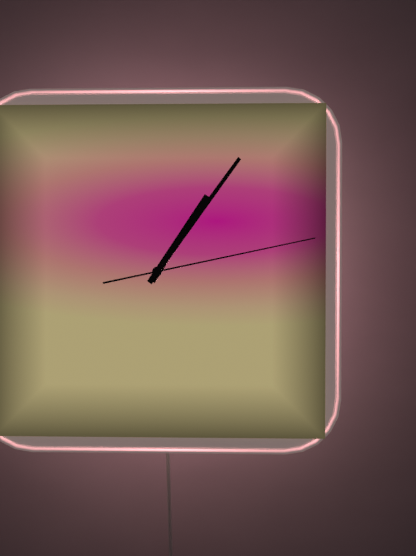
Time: 1h06m13s
